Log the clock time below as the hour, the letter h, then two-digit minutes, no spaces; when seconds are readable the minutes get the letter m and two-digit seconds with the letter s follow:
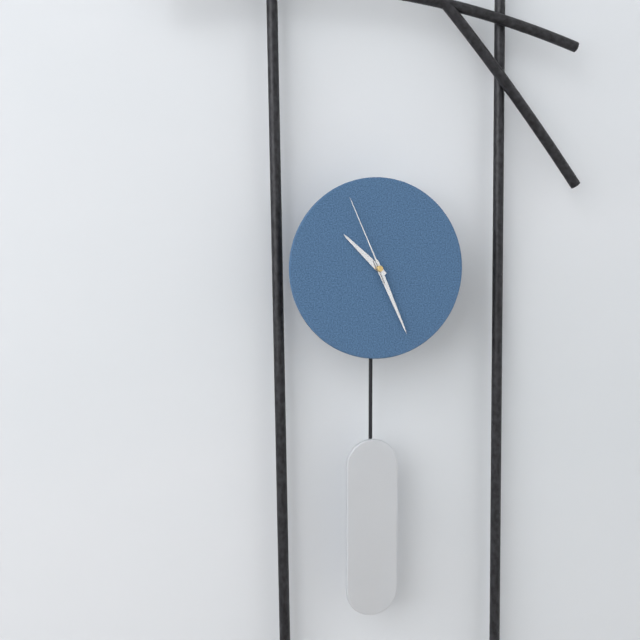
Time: 10h26m56s
